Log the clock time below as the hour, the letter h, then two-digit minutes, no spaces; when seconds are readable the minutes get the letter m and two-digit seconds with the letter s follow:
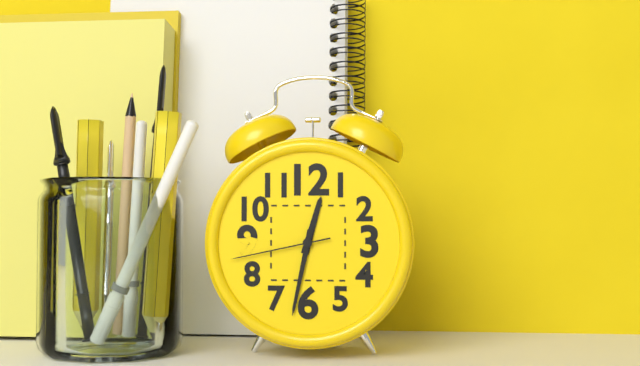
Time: 12h32m43s
